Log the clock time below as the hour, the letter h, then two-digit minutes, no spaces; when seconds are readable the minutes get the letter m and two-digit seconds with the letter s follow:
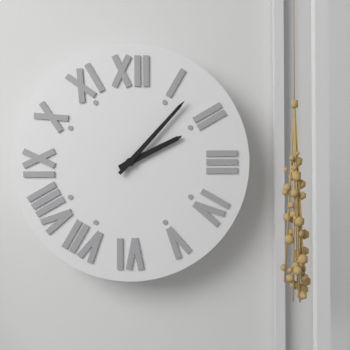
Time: 2h07
